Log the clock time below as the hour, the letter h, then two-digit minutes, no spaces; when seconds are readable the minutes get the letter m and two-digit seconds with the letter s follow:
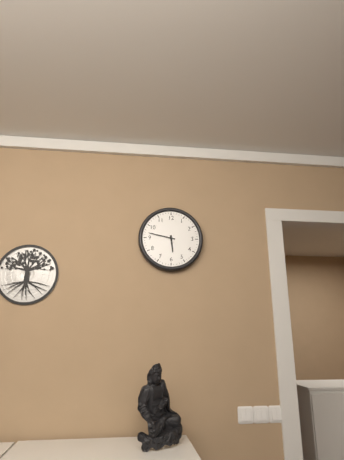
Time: 5h47
